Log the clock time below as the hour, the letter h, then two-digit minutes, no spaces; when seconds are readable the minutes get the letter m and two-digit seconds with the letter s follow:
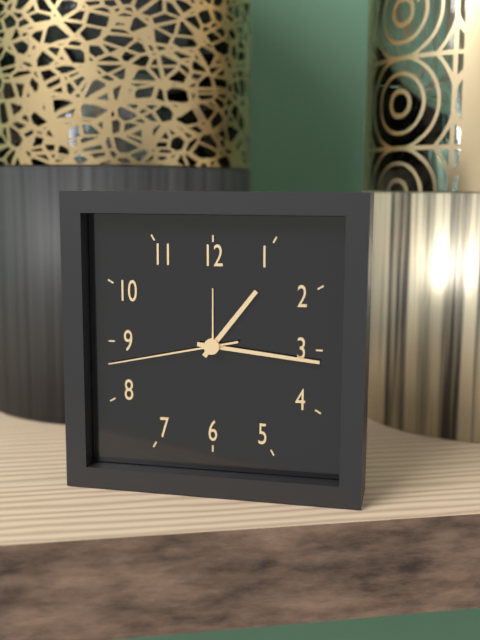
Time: 1h16m43s
